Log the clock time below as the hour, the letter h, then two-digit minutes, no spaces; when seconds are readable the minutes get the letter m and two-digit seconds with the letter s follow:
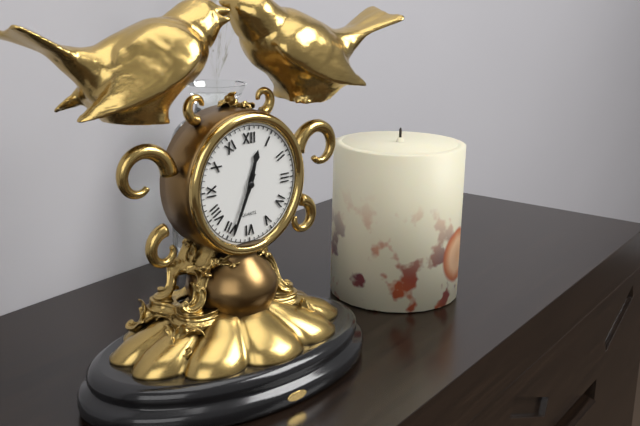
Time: 12h34
